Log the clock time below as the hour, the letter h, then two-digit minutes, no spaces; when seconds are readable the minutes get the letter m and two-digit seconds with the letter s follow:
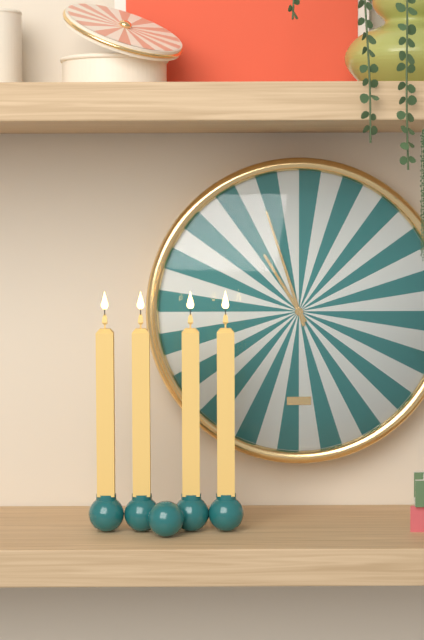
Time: 10h57
